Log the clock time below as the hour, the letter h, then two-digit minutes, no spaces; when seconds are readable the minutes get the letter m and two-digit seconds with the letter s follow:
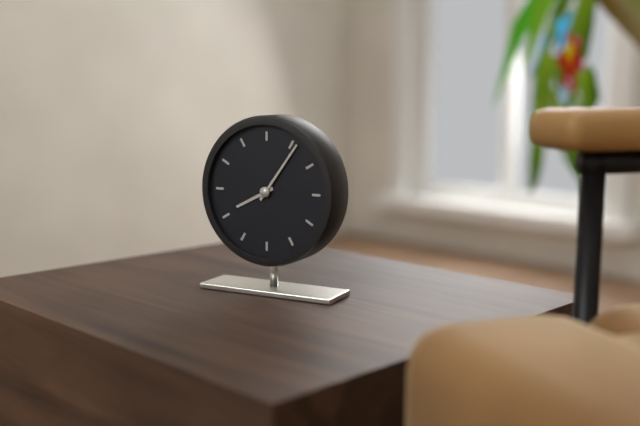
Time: 8h06
